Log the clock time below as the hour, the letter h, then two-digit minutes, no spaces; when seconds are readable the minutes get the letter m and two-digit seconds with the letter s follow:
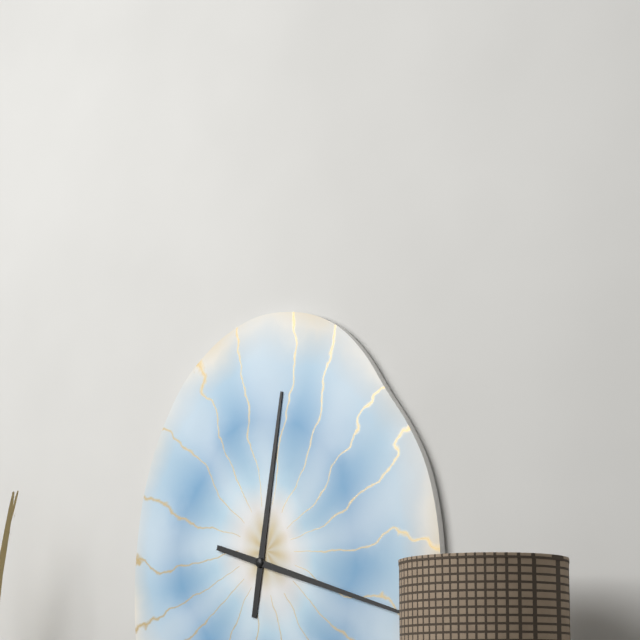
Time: 12h18
